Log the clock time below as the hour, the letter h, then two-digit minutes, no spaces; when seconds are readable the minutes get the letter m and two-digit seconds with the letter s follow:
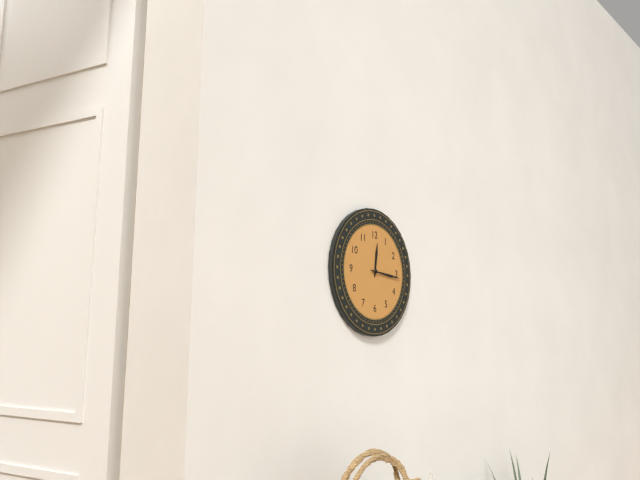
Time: 12h16
